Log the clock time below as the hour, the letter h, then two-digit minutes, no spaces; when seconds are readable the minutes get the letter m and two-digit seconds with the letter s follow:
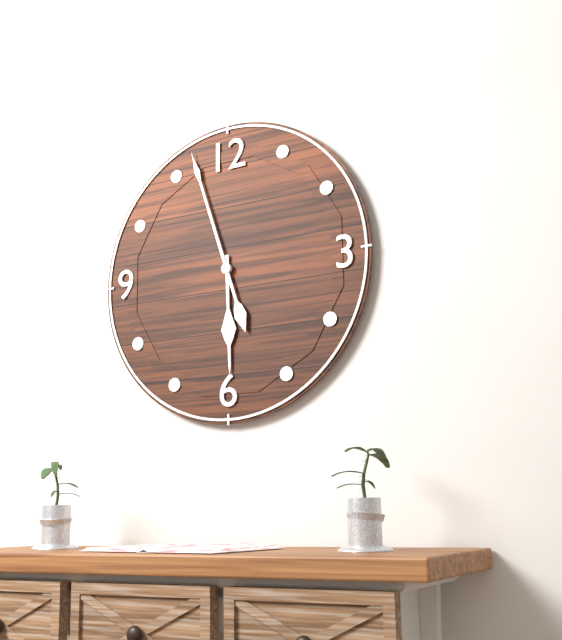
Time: 5h57
